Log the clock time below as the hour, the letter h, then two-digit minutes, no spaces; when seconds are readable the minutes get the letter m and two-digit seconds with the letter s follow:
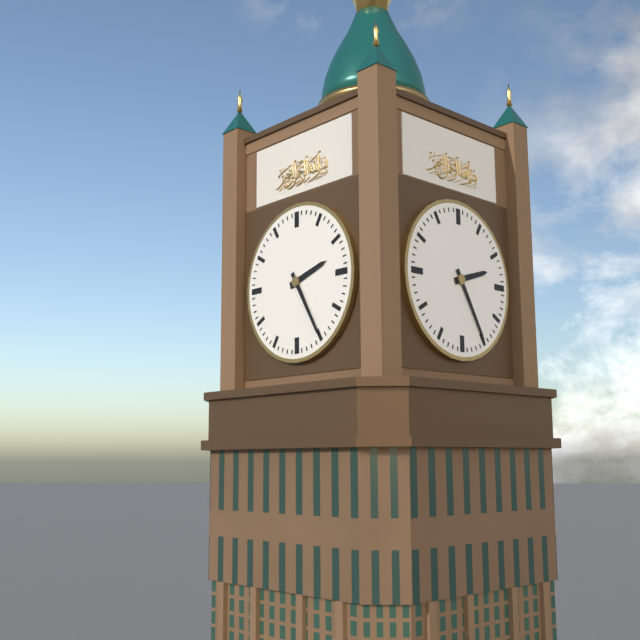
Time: 2h25
